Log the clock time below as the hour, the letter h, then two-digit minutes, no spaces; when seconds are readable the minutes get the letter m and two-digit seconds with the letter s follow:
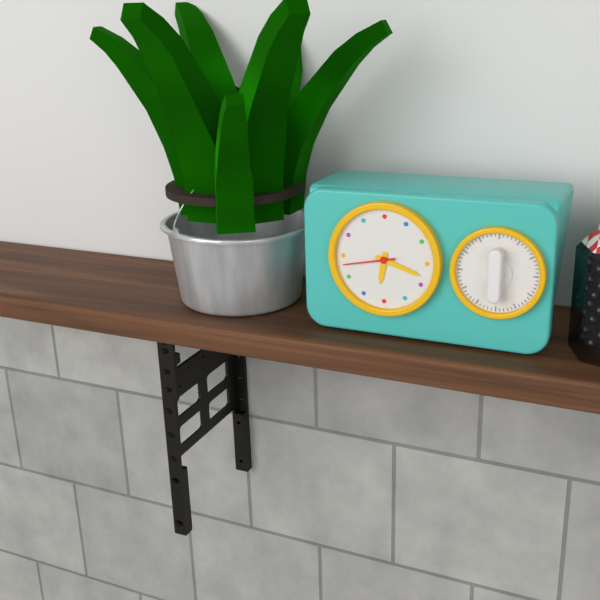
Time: 6h18m43s
